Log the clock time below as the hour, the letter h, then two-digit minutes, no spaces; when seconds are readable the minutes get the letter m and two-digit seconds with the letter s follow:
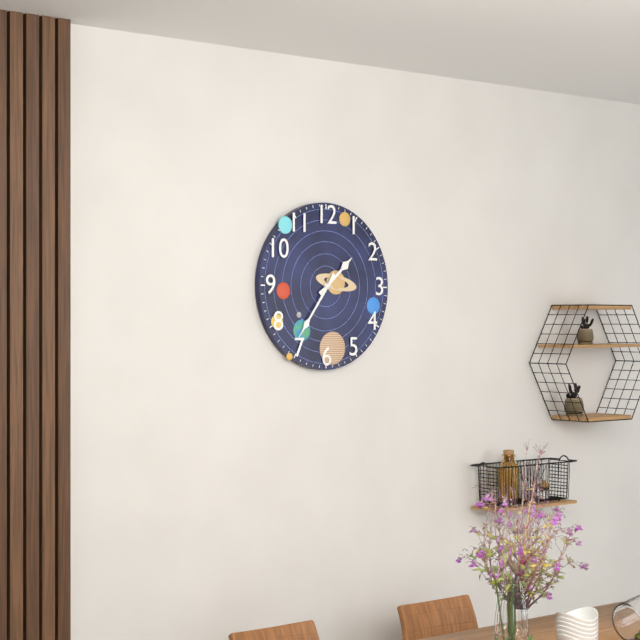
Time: 1h36
